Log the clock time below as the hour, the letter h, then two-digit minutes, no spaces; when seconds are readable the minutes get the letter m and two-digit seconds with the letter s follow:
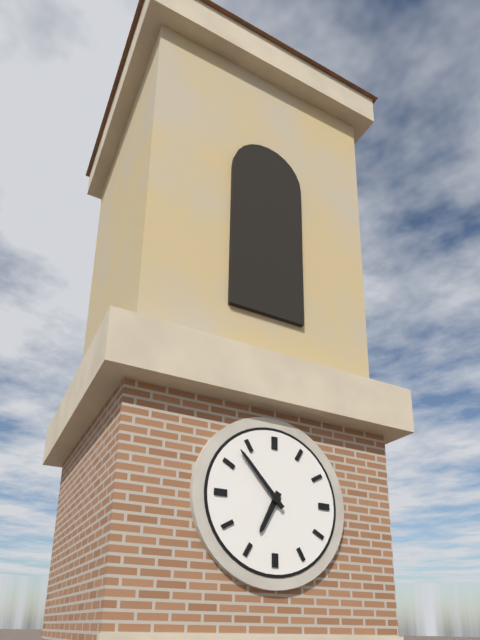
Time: 6h53
